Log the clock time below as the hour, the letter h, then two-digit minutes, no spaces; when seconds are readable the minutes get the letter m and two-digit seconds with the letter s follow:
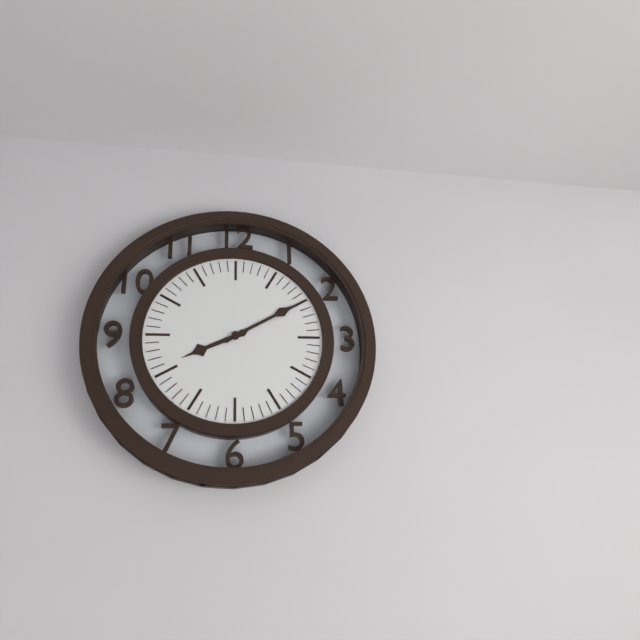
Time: 8h10
